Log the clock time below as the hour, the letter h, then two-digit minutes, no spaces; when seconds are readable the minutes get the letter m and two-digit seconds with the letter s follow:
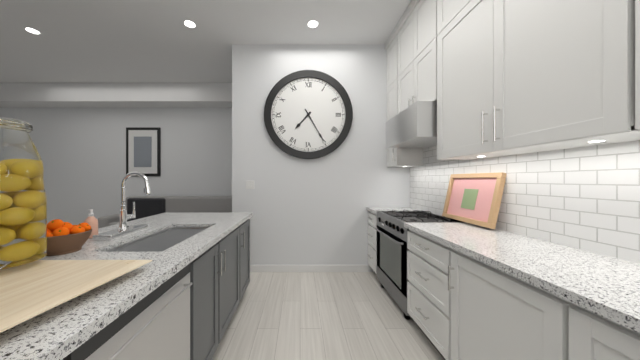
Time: 7h25
